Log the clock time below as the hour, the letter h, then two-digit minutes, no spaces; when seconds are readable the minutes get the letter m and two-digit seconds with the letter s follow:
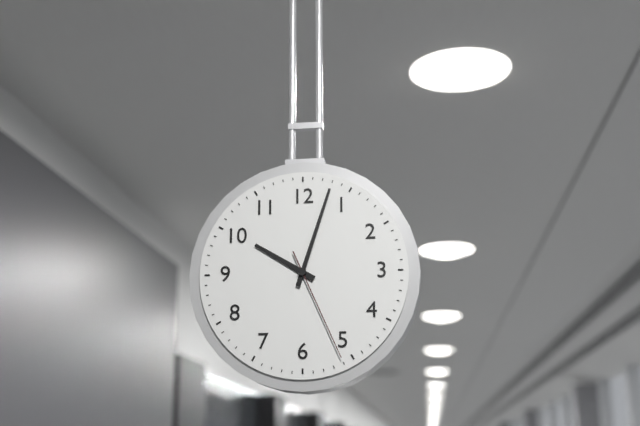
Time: 10h03m26s
